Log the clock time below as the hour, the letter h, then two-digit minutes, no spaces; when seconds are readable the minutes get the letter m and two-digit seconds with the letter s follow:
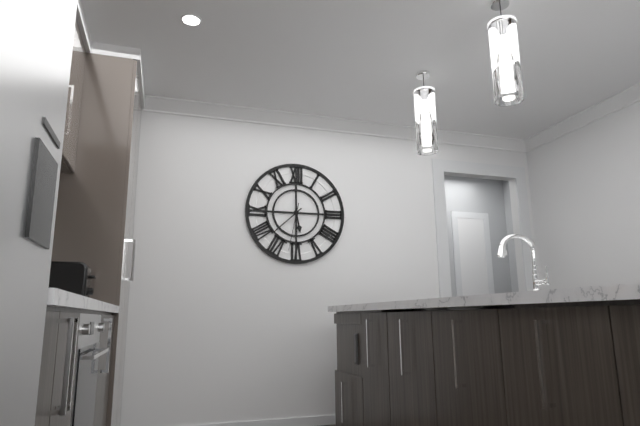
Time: 5h38
